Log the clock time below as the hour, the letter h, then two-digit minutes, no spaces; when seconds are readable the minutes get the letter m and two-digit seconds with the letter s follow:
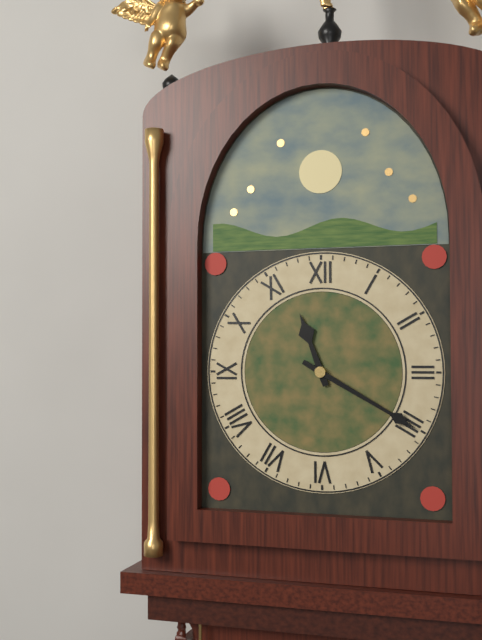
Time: 11h20
